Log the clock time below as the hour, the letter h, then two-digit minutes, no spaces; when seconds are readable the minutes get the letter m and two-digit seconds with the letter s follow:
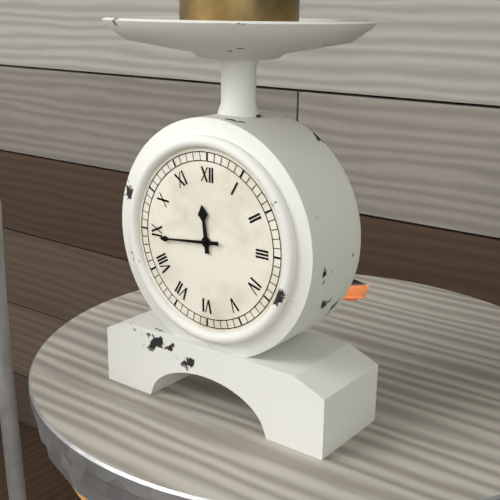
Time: 11h44
